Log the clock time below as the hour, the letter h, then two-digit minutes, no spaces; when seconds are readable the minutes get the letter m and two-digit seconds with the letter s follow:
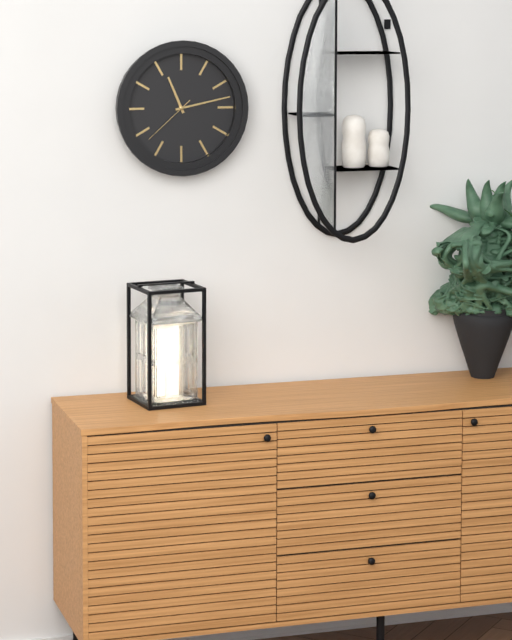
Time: 11h13m38s
